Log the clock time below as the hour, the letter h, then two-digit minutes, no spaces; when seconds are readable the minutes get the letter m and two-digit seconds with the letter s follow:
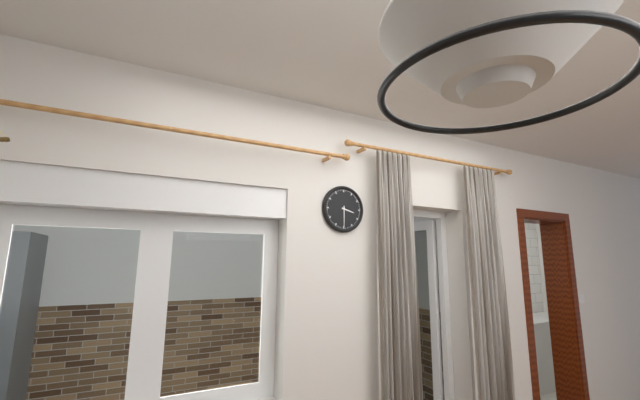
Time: 3h30
